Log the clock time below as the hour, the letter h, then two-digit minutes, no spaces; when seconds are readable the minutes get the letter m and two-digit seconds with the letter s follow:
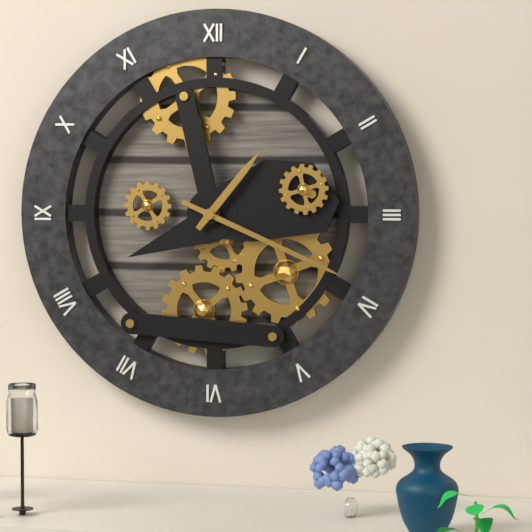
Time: 1h19
